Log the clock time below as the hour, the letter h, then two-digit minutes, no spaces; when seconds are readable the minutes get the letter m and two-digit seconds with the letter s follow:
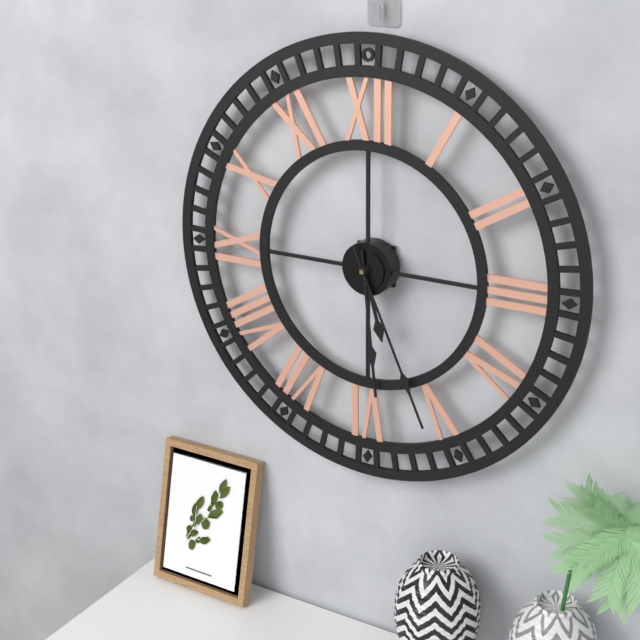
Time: 5h29m26s
